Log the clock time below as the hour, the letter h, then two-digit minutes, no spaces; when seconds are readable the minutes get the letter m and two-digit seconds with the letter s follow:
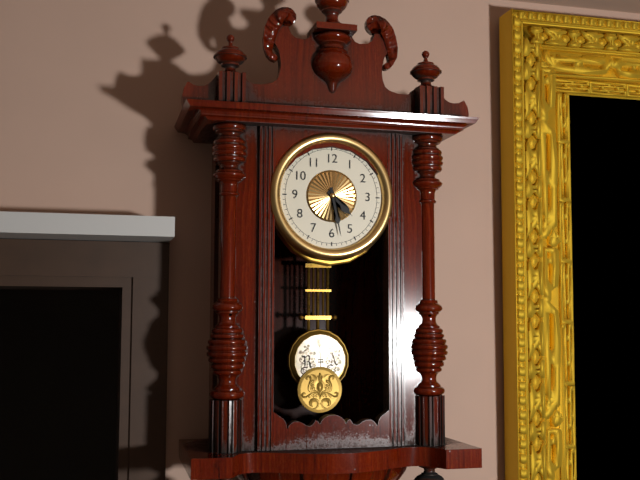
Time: 4h28
